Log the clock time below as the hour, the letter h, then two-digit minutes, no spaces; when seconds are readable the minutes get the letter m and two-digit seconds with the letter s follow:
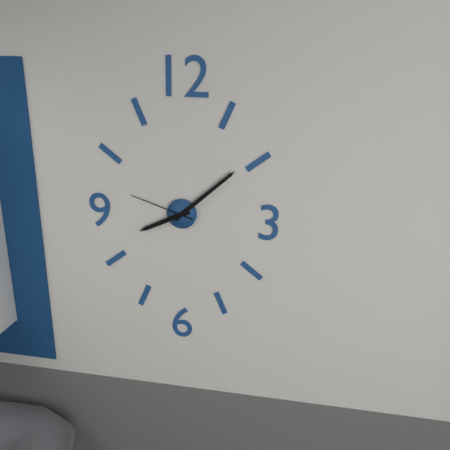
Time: 8h08m48s
